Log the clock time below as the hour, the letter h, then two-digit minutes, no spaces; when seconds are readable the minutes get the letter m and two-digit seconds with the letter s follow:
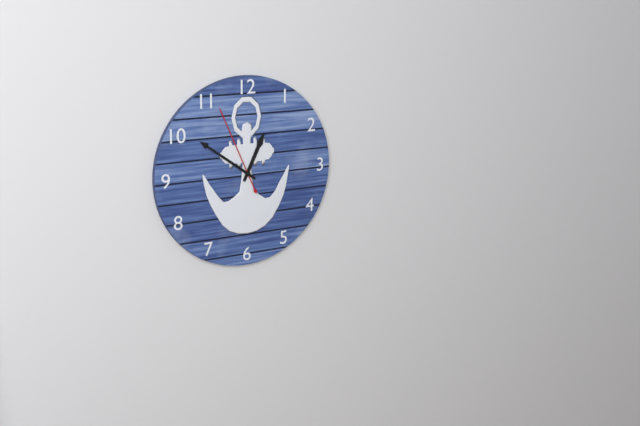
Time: 12h51m56s
